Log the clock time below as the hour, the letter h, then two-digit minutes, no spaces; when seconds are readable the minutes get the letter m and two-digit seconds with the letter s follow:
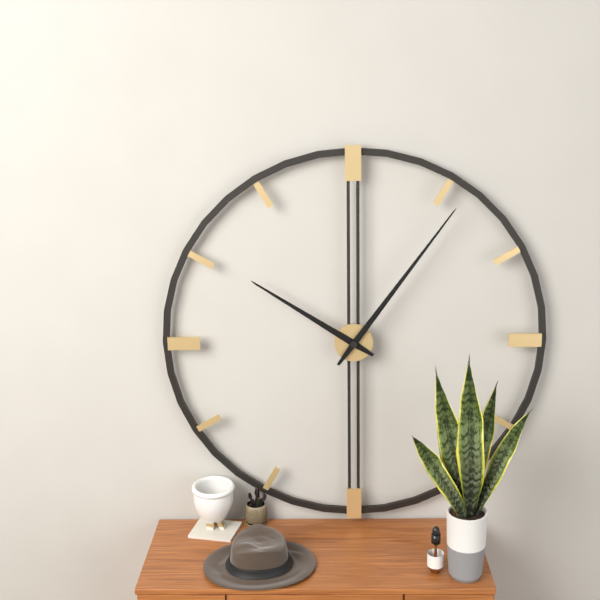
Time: 10h06
